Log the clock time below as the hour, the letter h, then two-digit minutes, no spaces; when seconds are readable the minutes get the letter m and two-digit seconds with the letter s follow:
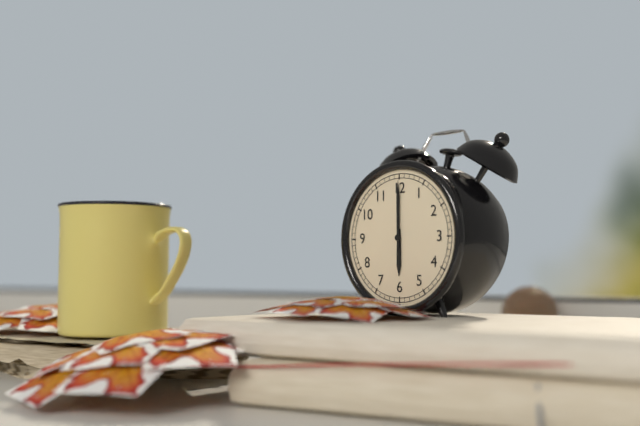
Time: 6h00
